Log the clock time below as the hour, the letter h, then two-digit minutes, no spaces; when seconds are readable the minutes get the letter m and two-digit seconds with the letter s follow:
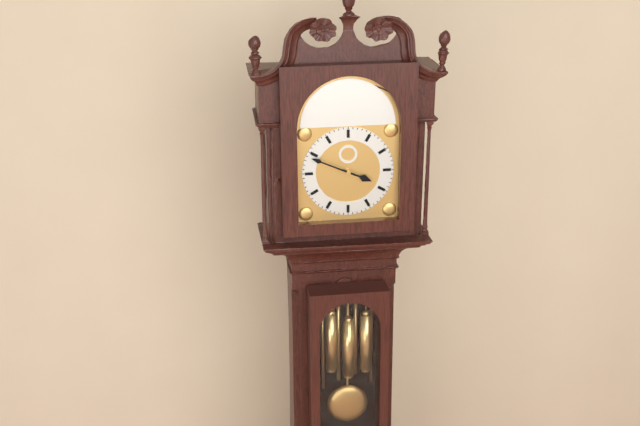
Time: 3h49
